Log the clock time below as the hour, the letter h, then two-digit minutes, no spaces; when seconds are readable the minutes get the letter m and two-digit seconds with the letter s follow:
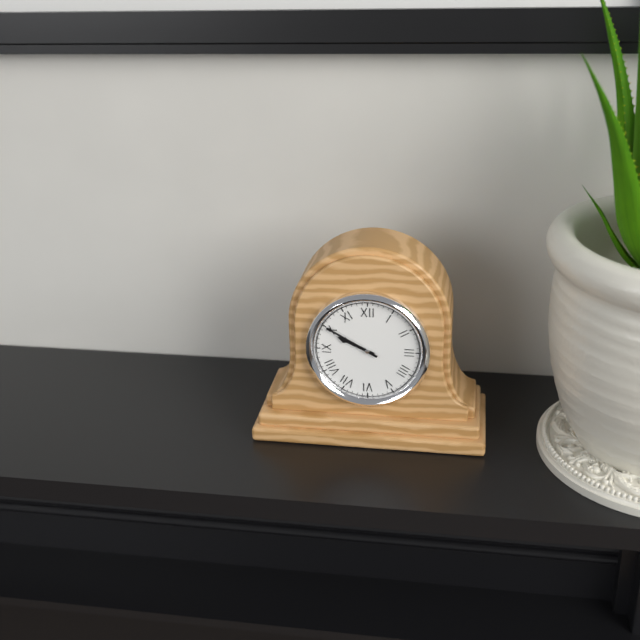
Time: 9h50
